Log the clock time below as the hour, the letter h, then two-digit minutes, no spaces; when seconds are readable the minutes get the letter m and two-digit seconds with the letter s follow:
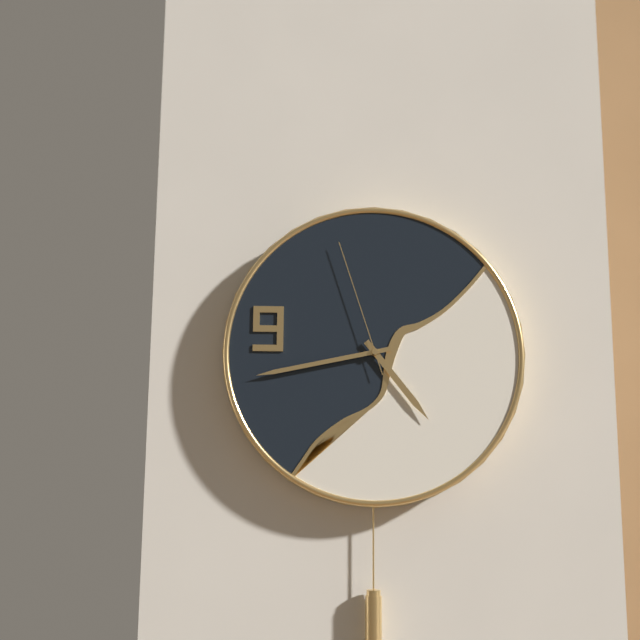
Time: 4h43m57s
